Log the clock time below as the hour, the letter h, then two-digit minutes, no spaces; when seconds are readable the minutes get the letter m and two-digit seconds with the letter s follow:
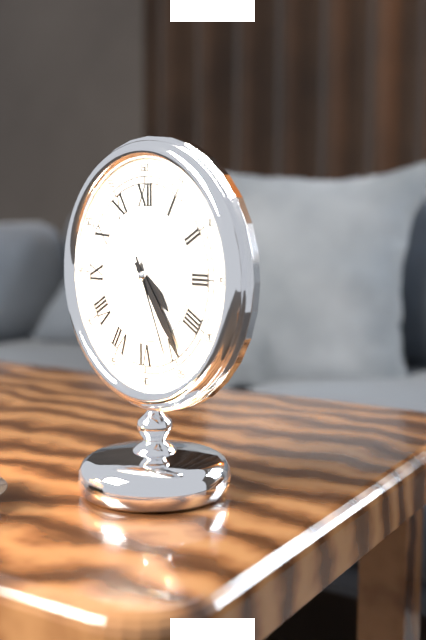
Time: 4h24m26s
